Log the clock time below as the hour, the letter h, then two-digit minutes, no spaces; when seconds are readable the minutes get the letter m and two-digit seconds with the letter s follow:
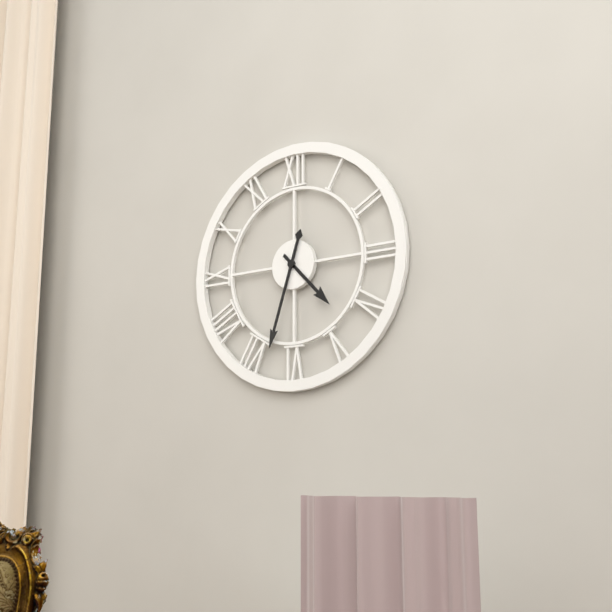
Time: 4h33
